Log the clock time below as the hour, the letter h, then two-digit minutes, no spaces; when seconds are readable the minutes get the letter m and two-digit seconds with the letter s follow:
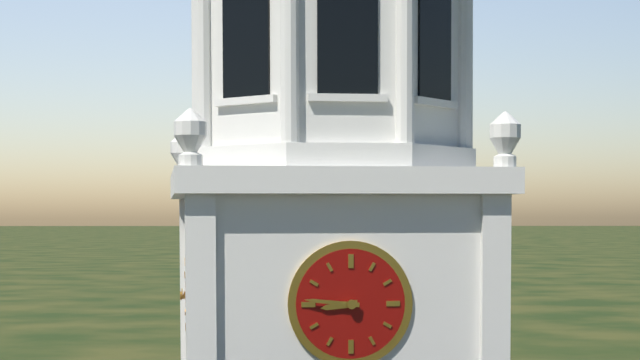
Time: 8h46
